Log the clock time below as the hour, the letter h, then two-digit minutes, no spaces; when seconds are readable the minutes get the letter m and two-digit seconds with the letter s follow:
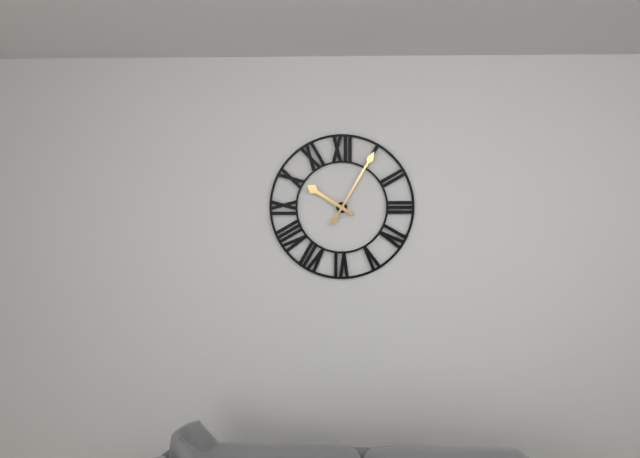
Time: 10h05
